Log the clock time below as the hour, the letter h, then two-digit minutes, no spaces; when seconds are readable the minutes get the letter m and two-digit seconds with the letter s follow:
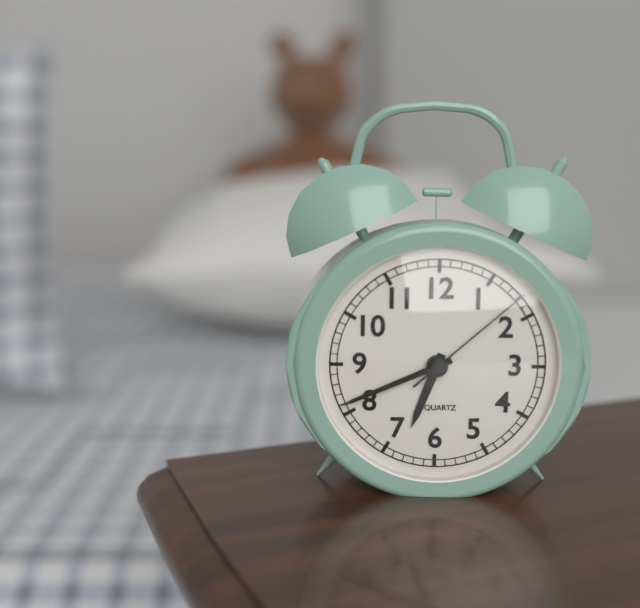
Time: 6h41m08s
